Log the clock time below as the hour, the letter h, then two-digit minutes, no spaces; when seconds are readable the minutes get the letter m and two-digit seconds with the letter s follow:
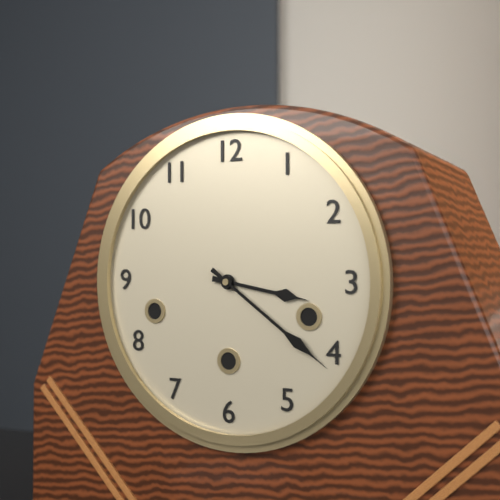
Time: 3h21
